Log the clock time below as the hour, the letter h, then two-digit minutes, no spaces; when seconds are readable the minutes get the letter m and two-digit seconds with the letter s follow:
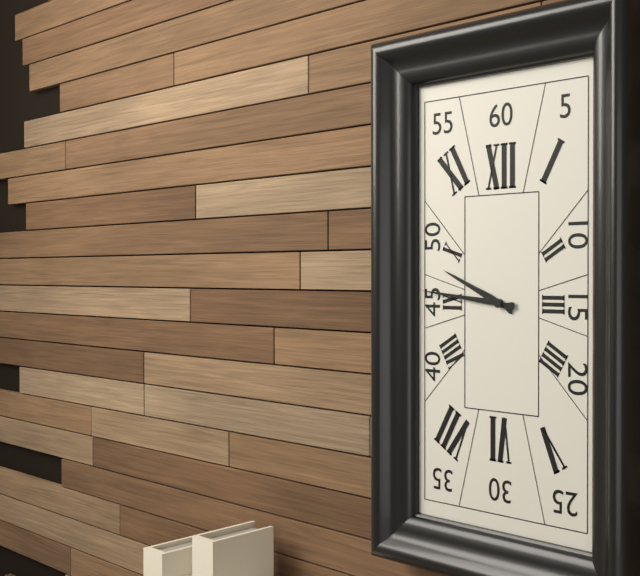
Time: 9h46
